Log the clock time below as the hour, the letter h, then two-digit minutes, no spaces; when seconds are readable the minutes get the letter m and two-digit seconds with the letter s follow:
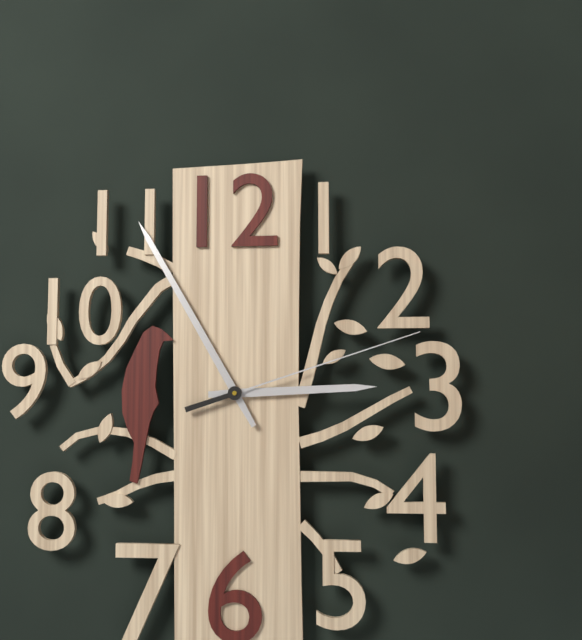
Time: 2h55m12s
